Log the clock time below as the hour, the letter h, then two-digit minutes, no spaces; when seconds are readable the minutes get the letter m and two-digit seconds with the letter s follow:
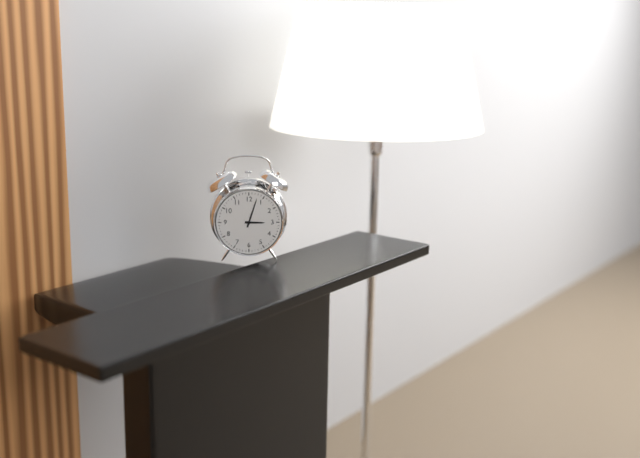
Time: 3h03
